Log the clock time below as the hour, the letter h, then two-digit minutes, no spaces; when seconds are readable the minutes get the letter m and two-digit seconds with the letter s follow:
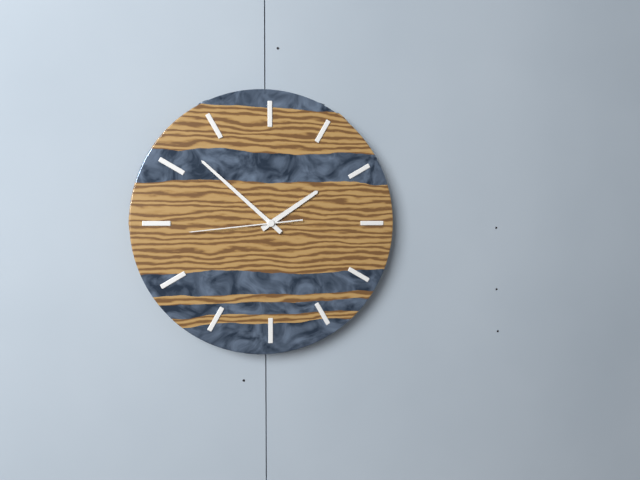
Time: 1h52m44s
